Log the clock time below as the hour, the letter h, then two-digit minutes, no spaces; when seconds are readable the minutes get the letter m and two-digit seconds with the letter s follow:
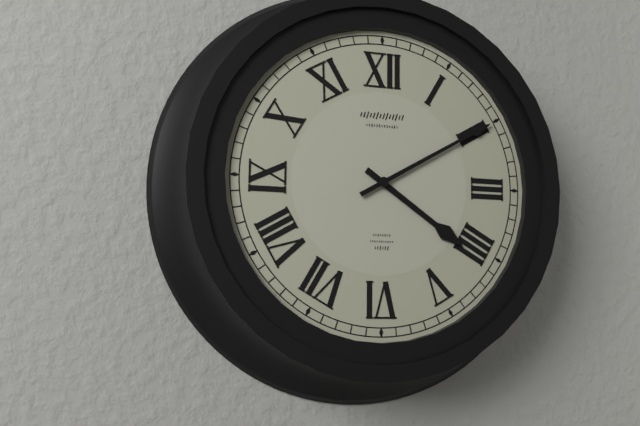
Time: 4h10
